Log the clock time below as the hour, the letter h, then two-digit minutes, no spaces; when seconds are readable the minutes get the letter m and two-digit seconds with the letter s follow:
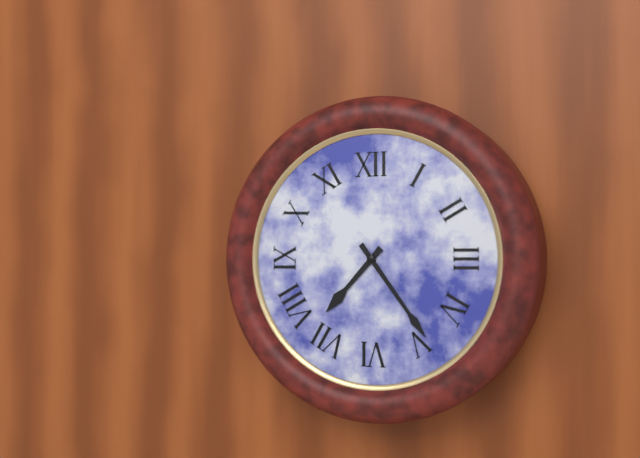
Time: 7h24
